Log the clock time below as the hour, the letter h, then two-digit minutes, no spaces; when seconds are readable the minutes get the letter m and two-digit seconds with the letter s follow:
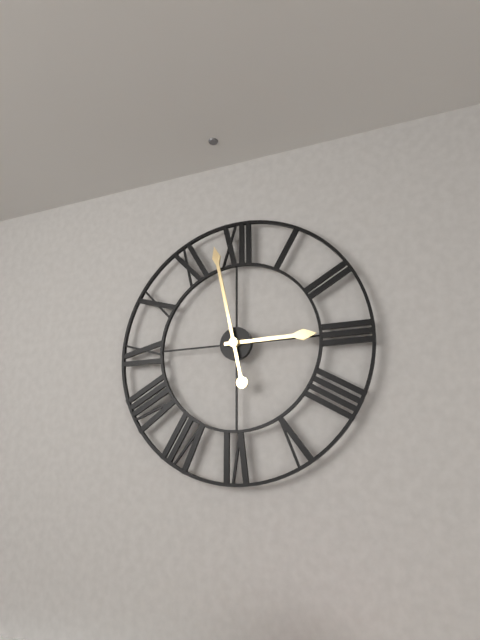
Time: 2h58
